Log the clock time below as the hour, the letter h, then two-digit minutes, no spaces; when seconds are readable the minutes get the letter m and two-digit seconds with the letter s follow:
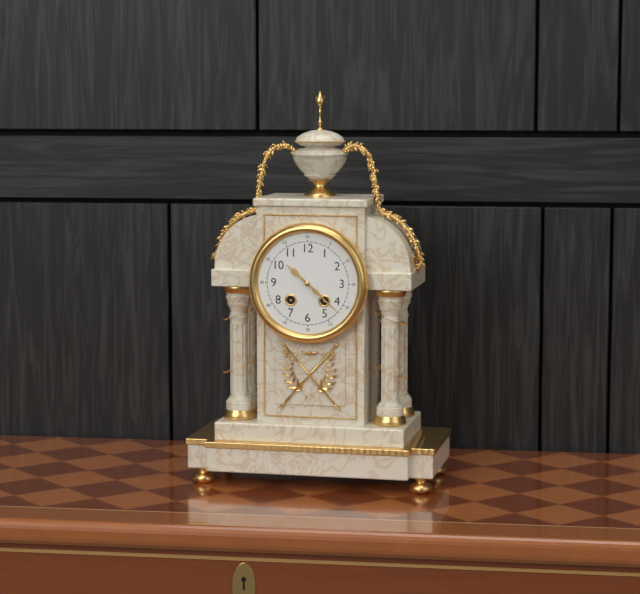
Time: 10h22
